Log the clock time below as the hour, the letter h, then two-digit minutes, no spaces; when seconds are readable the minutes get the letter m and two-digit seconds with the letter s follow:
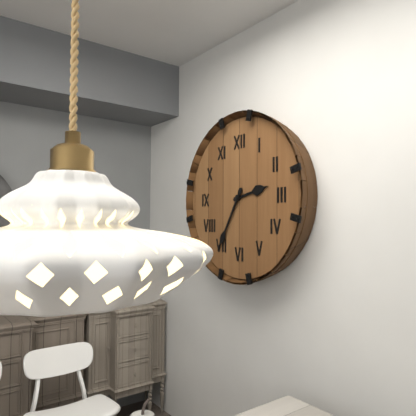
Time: 2h35
